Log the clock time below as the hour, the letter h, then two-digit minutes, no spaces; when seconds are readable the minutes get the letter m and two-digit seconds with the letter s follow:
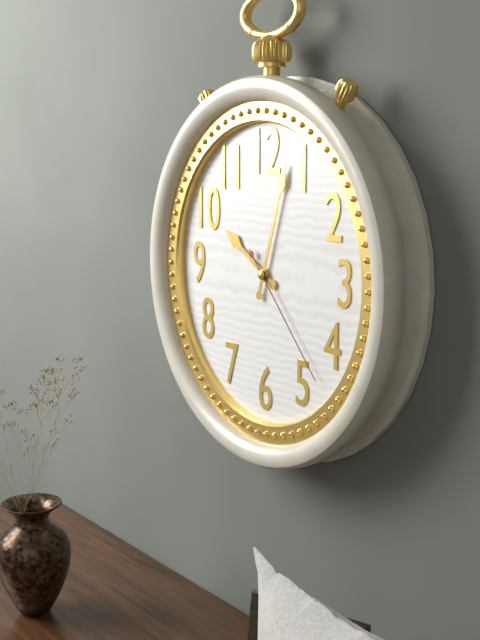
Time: 10h03m23s
